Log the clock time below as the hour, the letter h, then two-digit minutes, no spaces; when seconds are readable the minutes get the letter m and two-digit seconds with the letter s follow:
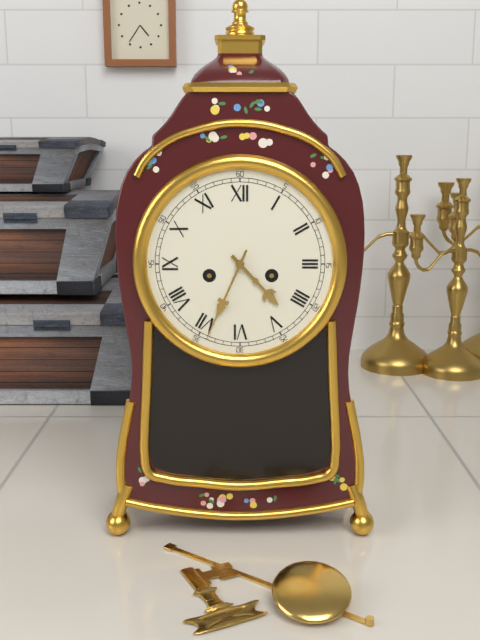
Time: 4h34
